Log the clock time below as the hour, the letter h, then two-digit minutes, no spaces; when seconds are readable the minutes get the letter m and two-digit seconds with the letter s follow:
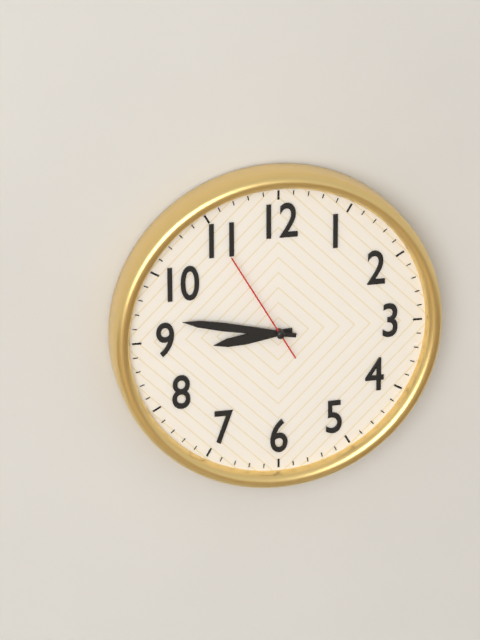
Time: 8h47m55s
